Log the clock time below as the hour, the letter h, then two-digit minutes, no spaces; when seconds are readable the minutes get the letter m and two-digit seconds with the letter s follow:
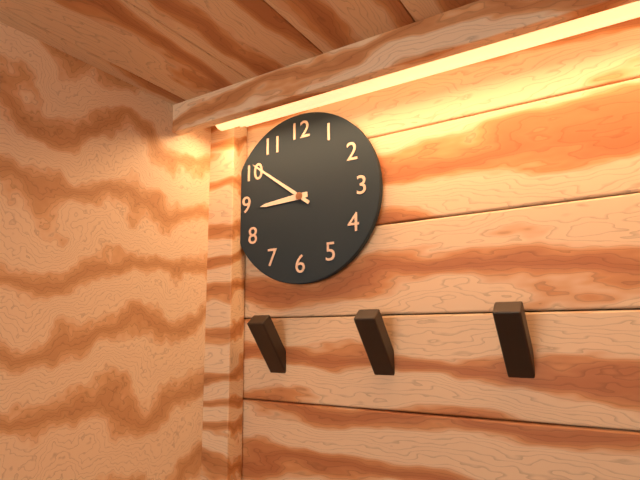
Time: 8h51
